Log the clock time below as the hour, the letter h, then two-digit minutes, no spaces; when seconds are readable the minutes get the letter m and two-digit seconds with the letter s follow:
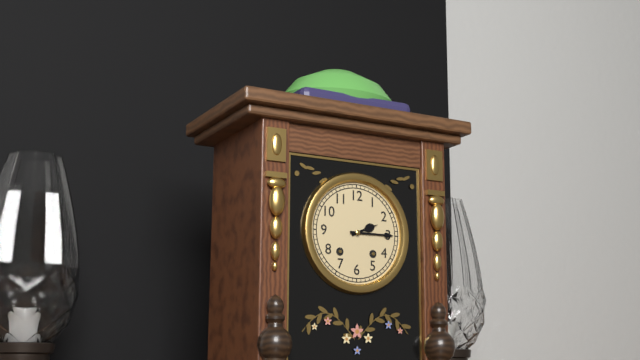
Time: 2h15
